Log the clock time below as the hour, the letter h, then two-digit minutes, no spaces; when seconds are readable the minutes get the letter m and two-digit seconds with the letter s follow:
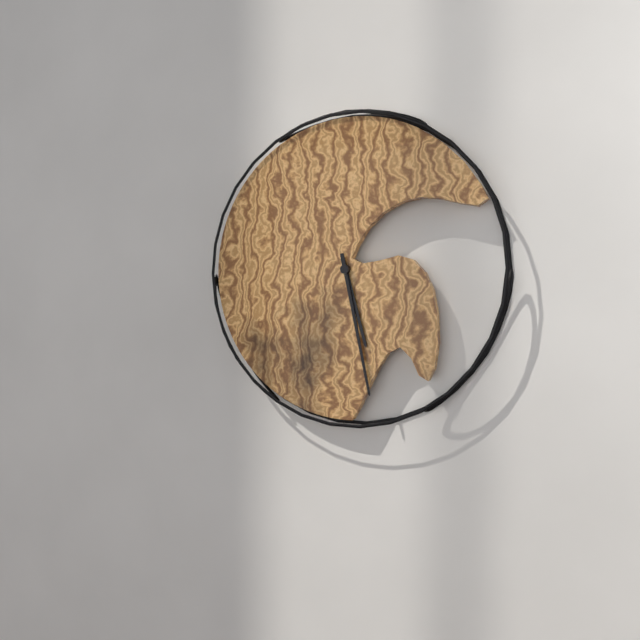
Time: 5h28
